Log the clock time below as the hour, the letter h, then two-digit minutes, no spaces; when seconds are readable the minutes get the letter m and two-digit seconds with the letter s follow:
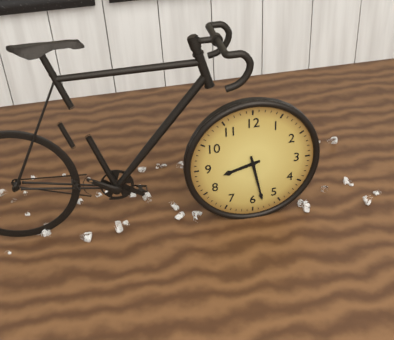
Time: 8h28
